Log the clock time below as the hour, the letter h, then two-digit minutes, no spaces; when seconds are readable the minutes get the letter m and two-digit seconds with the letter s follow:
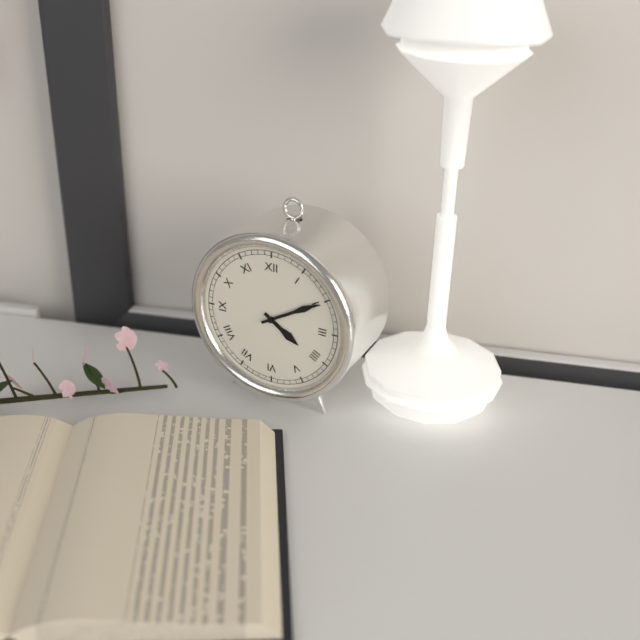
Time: 4h10
